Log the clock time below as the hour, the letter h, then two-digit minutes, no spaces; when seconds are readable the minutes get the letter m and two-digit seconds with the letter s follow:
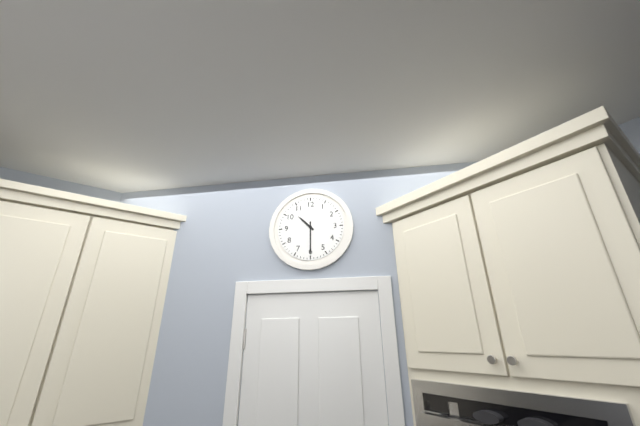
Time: 10h30
